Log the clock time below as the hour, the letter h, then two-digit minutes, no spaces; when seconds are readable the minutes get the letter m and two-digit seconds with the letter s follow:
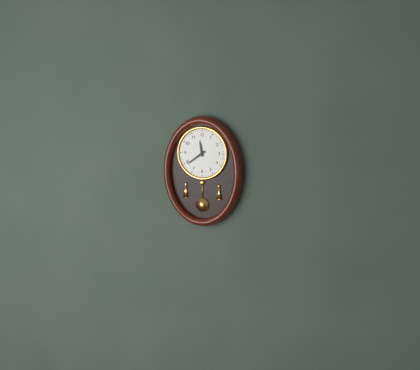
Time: 11h39
